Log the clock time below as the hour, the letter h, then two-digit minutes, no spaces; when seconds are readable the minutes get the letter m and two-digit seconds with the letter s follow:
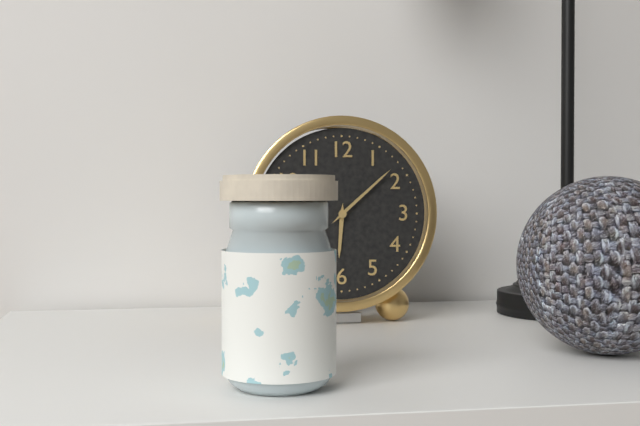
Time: 6h08
